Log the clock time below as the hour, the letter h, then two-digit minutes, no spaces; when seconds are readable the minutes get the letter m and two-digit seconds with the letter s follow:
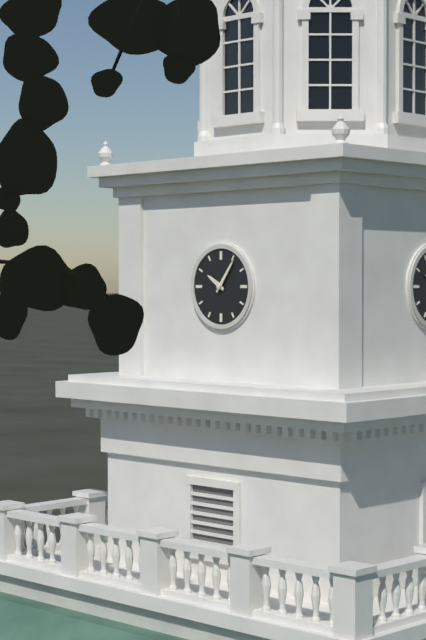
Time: 10h06
